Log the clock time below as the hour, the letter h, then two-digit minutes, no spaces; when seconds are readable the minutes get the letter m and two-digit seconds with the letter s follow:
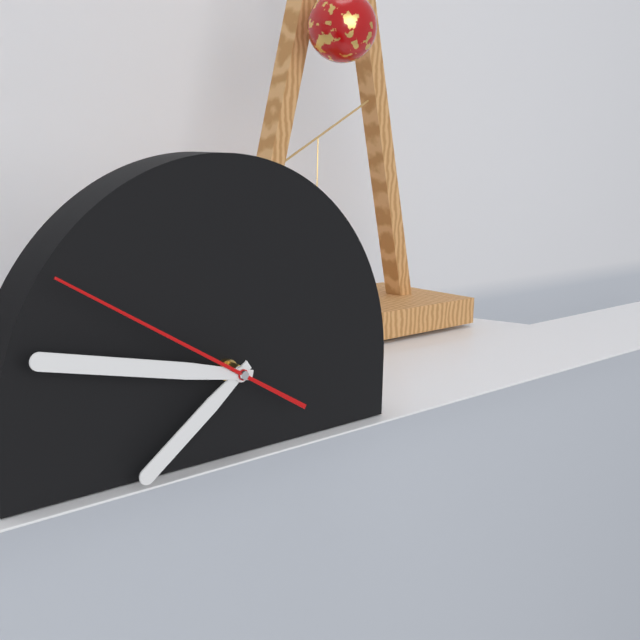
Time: 7h47m50s
